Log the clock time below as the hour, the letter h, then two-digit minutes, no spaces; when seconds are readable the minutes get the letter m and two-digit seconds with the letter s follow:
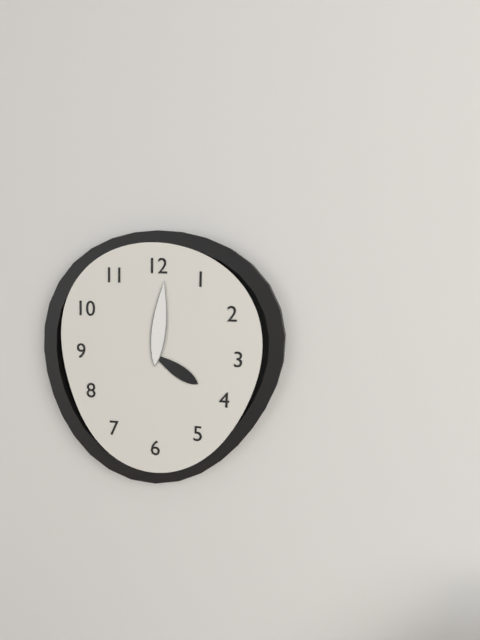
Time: 4h01
